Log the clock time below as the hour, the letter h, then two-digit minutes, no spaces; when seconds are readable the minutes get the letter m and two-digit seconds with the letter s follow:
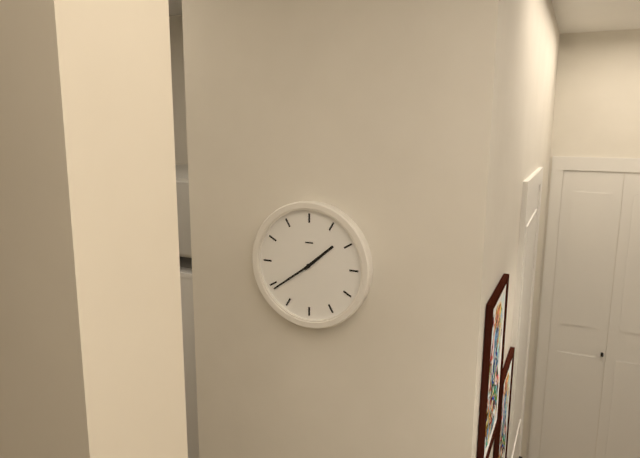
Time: 1h39
